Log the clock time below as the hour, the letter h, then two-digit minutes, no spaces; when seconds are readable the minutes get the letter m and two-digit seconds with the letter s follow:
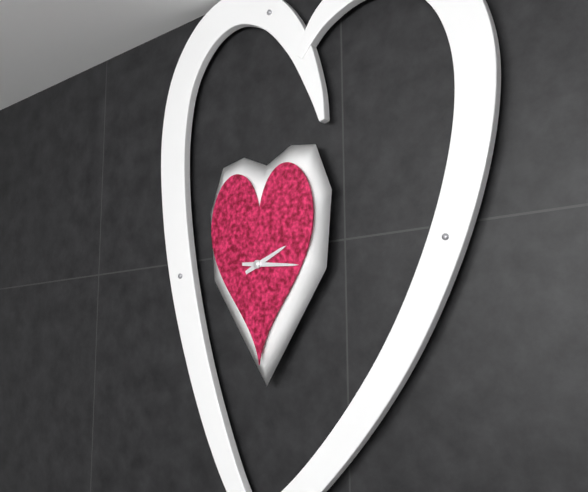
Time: 2h16
